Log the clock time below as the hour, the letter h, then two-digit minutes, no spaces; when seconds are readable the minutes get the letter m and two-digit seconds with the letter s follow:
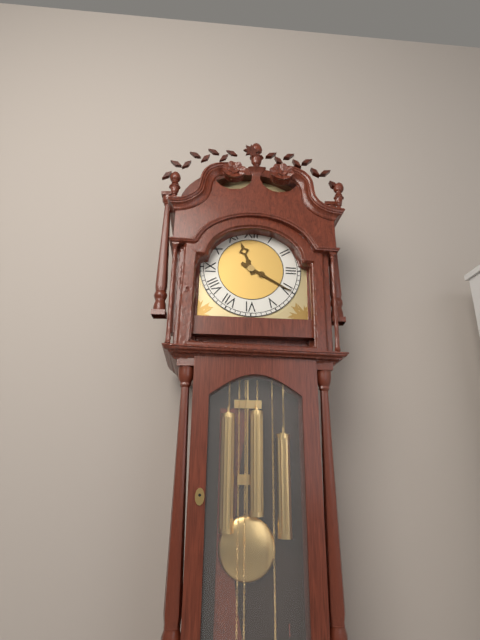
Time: 11h20
